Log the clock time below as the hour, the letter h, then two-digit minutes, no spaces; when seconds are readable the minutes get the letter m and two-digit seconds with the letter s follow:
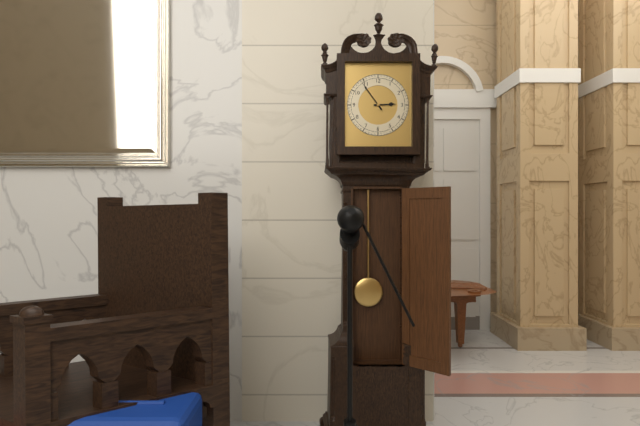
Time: 2h54
